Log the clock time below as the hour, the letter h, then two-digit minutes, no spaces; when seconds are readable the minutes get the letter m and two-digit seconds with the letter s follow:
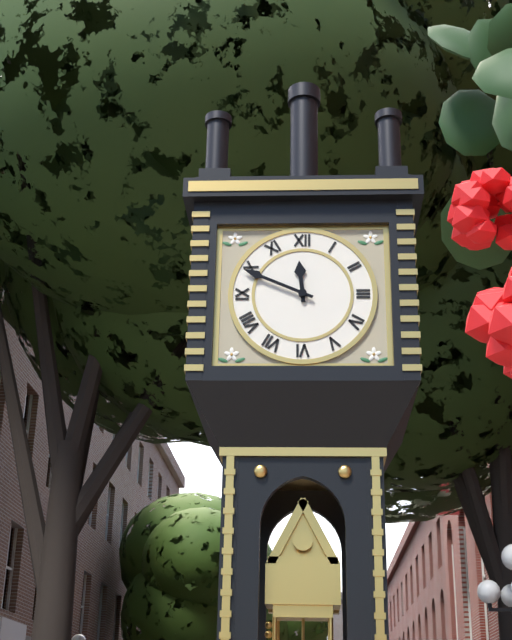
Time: 11h49
